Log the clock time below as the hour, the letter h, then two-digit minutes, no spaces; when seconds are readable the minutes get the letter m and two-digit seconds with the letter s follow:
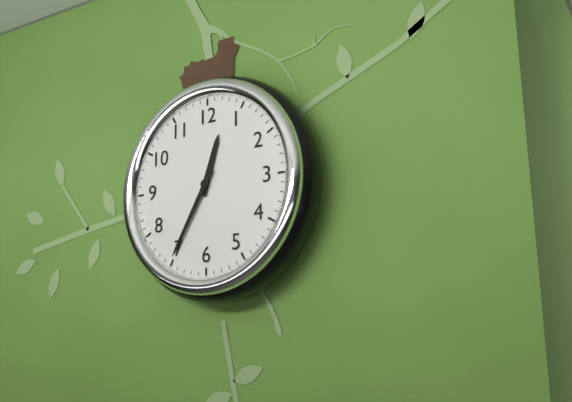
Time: 12h35
